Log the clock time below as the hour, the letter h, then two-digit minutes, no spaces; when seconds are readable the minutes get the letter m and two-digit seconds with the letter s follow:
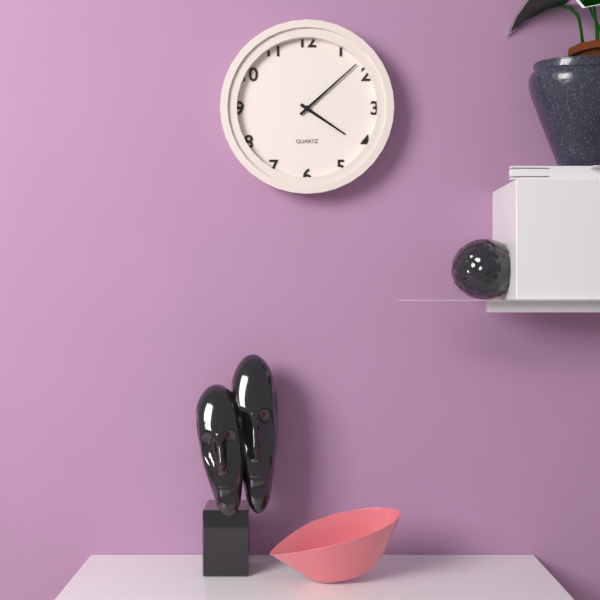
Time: 4h08
